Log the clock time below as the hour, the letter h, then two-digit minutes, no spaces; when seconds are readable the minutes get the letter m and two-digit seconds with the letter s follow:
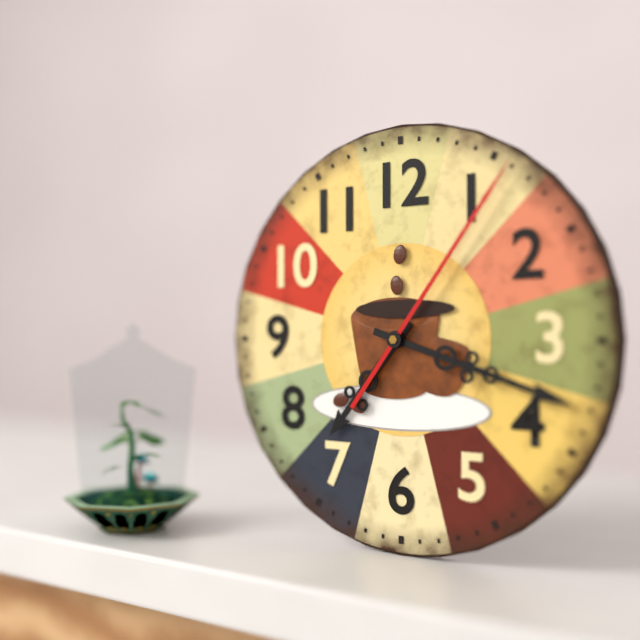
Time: 7h18m06s
